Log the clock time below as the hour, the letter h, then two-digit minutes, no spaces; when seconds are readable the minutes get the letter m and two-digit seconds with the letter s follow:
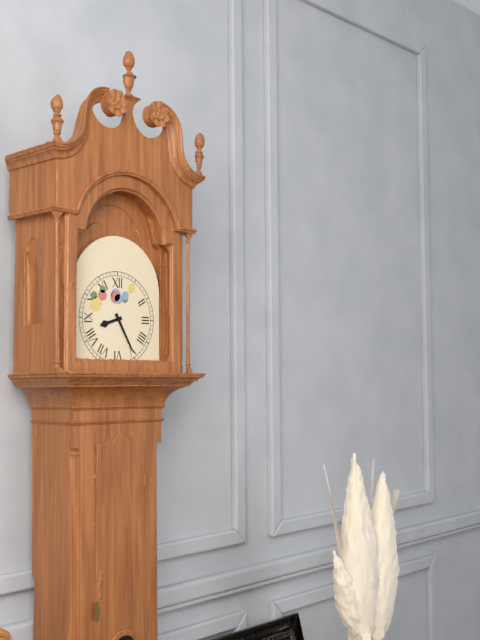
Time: 8h25
